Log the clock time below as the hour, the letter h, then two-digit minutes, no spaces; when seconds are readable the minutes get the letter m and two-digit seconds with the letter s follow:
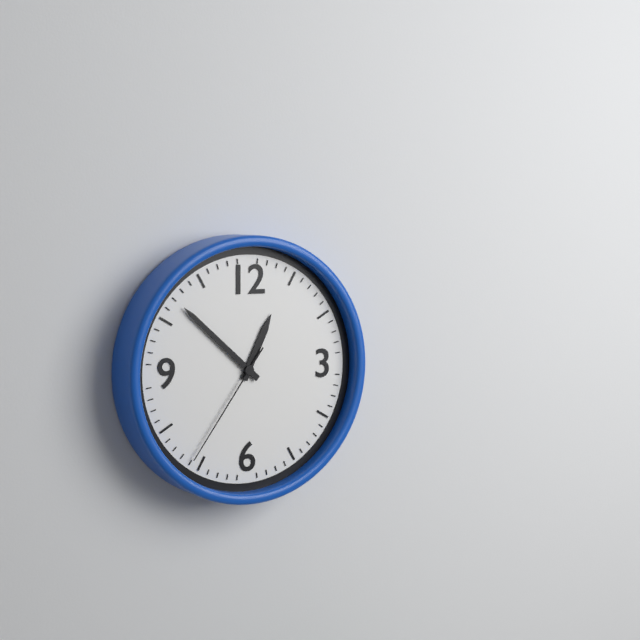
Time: 12h52m36s
